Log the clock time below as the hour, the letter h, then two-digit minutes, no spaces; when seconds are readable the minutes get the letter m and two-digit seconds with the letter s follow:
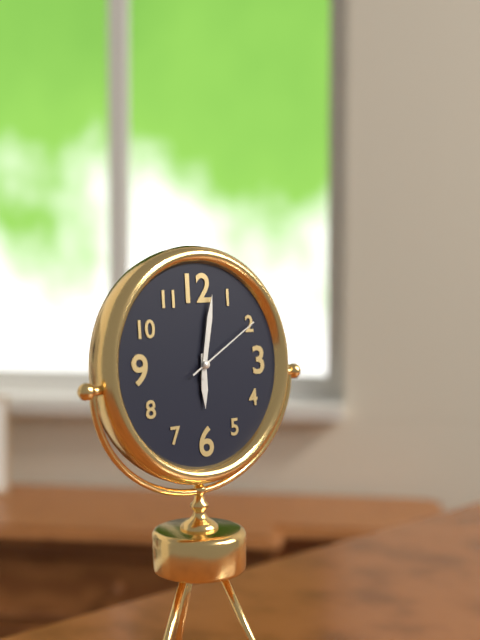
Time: 6h02m10s
